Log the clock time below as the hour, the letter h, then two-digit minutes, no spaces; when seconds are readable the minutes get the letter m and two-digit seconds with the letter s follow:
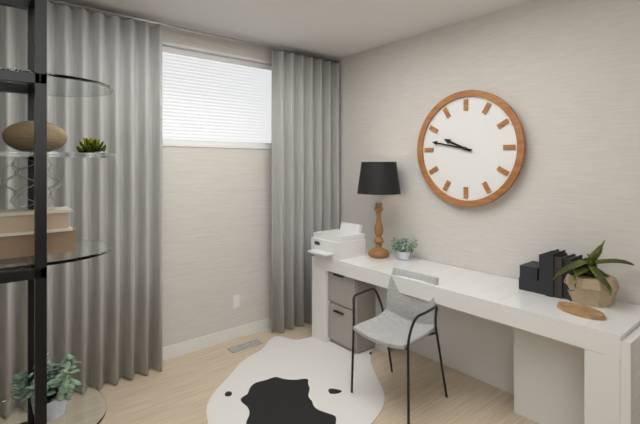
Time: 9h47
